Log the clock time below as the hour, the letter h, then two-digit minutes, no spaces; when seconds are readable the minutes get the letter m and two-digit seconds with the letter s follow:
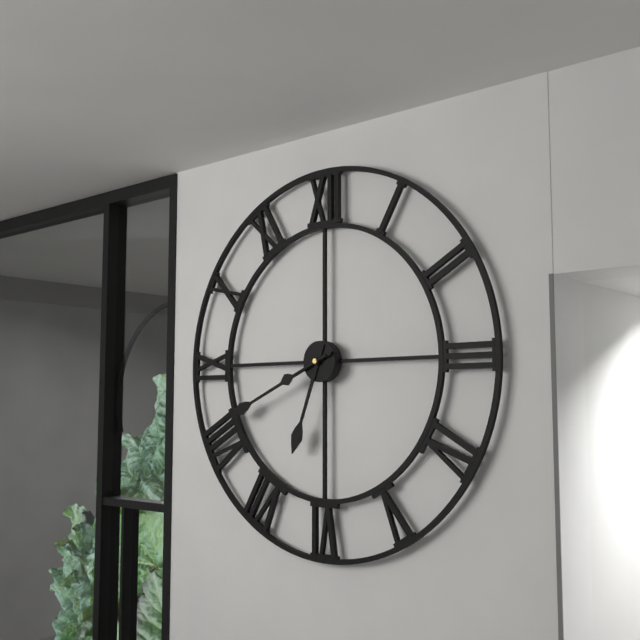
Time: 6h41m41s
